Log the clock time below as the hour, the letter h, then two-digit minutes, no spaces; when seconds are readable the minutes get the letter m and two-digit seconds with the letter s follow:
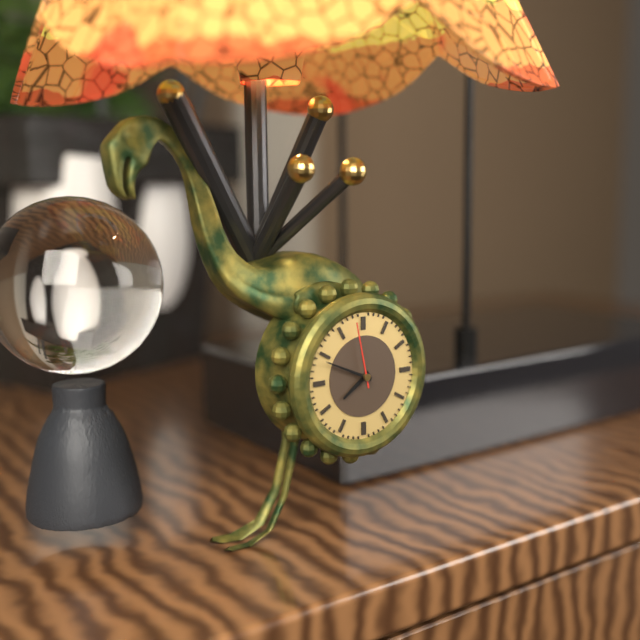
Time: 7h49m58s
